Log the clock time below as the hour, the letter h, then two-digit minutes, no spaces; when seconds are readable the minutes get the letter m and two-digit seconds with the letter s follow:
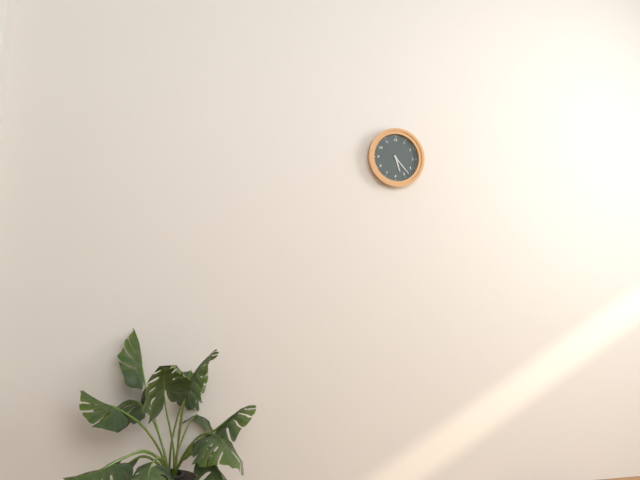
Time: 5h23
